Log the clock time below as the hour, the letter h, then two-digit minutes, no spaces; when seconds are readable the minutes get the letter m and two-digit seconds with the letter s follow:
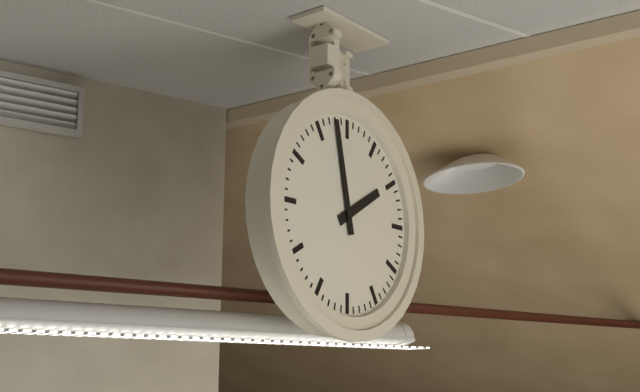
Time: 1h58
